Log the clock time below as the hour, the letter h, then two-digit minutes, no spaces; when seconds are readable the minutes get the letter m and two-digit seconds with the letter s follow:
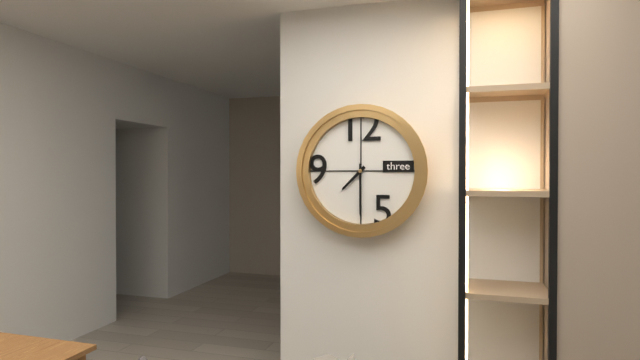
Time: 7h30
